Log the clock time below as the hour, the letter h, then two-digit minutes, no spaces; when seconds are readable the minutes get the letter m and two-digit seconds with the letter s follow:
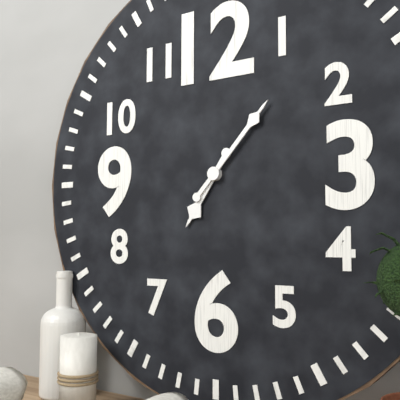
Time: 7h07
